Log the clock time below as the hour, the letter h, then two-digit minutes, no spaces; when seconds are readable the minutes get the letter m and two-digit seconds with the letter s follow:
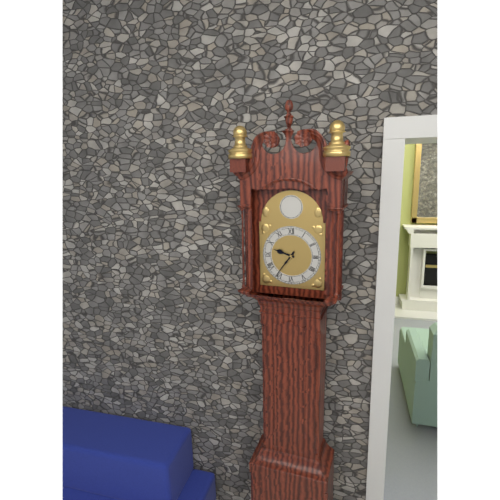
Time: 9h36
